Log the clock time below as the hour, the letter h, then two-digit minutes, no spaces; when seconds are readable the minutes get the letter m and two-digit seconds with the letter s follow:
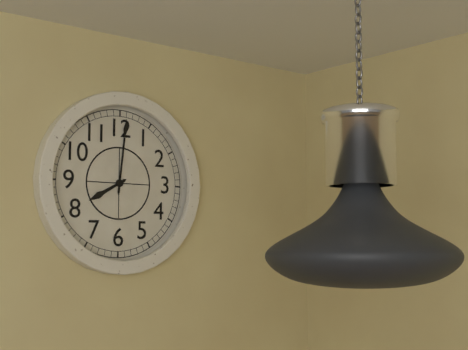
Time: 8h01
